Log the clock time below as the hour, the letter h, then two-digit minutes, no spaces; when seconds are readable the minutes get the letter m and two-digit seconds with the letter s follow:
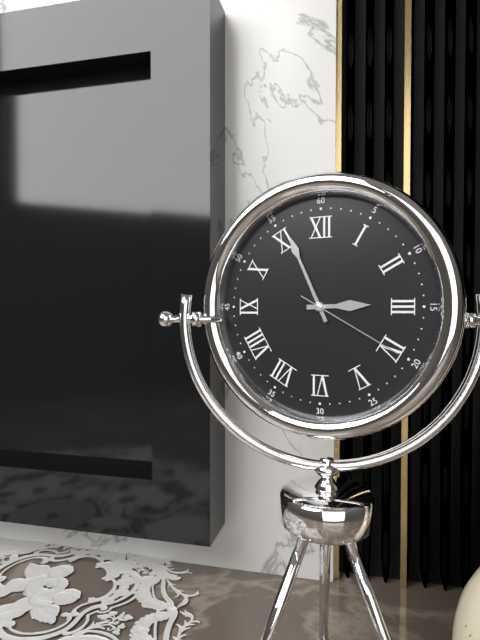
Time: 2h56m20s
